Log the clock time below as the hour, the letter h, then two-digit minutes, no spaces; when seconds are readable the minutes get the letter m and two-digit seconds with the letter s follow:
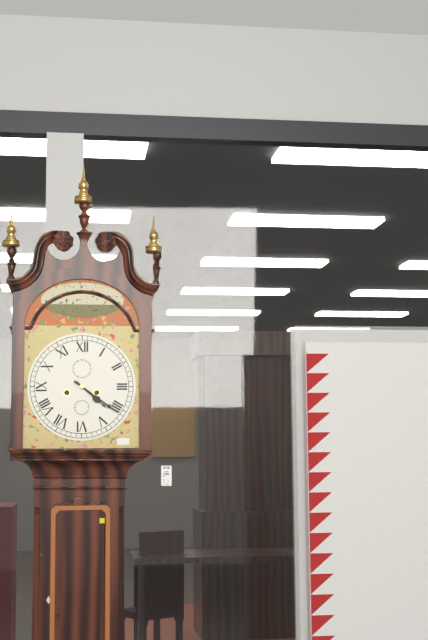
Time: 4h21
